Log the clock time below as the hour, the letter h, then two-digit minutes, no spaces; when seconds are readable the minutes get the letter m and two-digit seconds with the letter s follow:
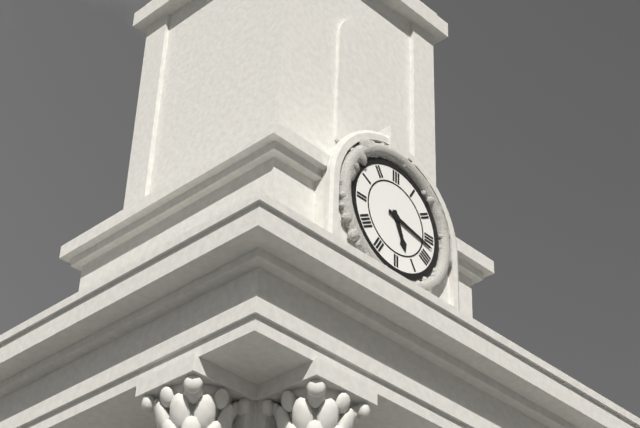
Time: 5h17
